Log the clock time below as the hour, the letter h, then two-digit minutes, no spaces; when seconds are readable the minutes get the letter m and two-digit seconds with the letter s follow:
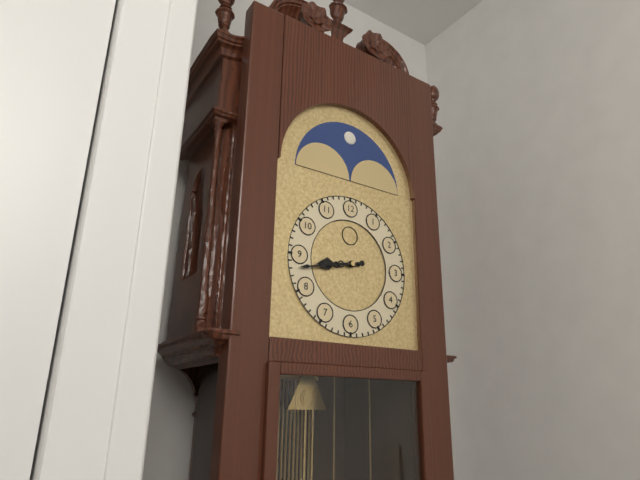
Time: 8h43
